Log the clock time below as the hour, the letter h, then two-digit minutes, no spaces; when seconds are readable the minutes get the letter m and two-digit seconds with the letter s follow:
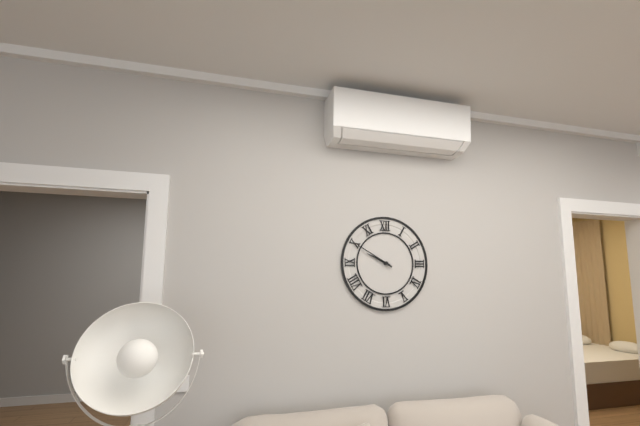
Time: 9h50
